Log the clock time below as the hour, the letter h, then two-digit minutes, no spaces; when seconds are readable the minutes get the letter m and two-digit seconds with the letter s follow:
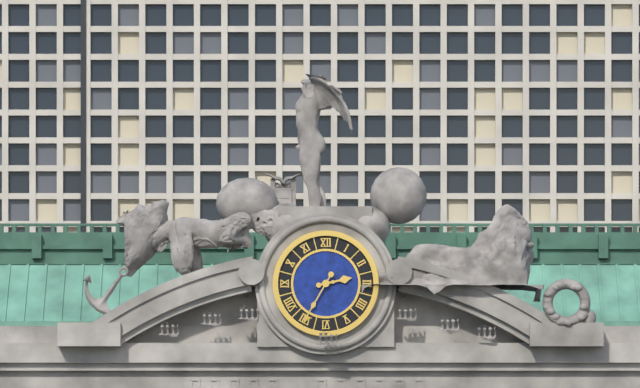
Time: 2h35
